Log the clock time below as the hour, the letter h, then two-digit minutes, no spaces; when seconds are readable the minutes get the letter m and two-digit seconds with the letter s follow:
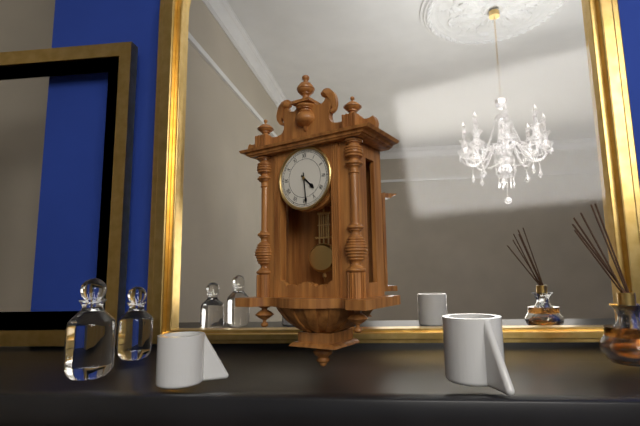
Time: 4h29
